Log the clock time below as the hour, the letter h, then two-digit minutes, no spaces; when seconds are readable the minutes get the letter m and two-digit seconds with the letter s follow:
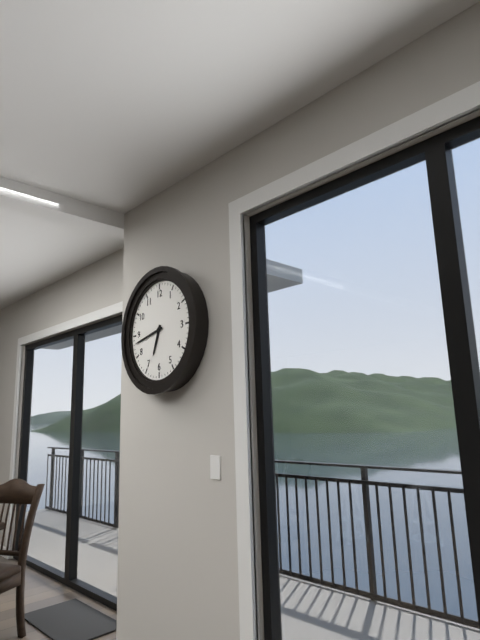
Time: 6h43
